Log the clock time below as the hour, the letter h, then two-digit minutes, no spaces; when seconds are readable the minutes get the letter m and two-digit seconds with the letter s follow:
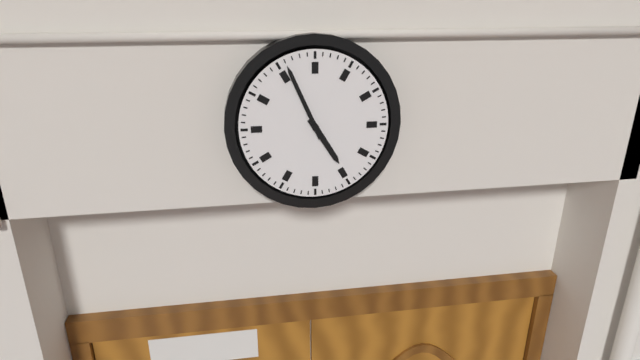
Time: 4h56
